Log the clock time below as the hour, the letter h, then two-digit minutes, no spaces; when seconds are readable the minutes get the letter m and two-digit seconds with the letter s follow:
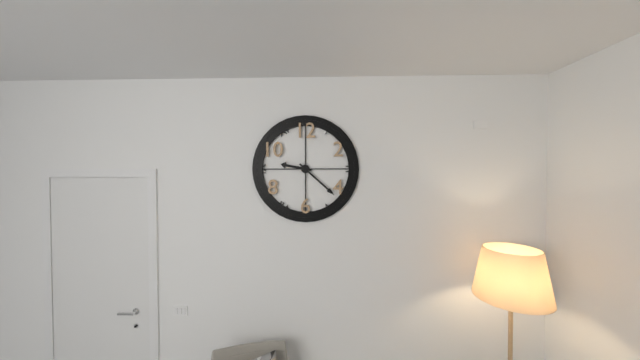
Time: 9h22
